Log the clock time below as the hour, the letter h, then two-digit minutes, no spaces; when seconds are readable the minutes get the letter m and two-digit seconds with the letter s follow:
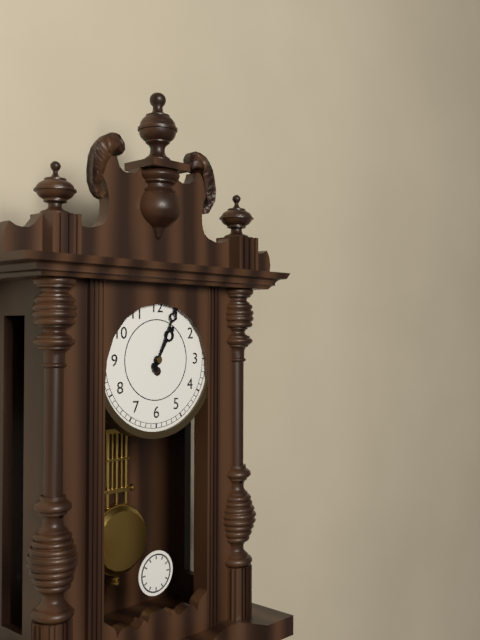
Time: 1h04
